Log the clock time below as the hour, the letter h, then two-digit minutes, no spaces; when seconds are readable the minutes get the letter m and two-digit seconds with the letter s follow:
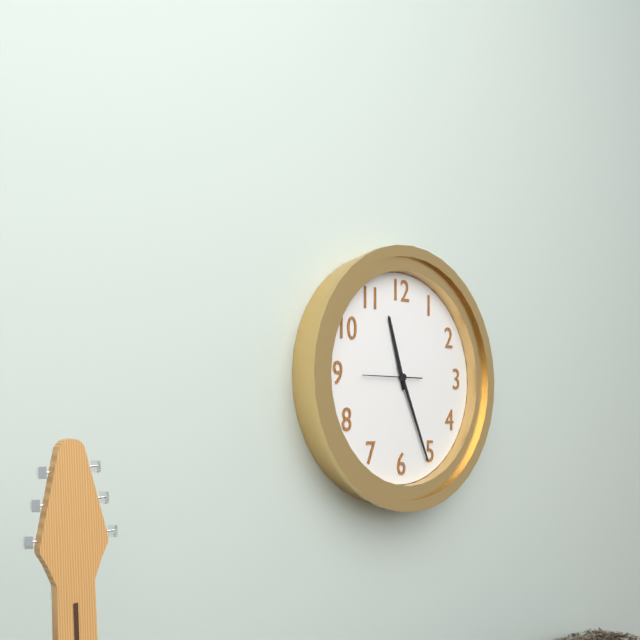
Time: 11h26m45s
